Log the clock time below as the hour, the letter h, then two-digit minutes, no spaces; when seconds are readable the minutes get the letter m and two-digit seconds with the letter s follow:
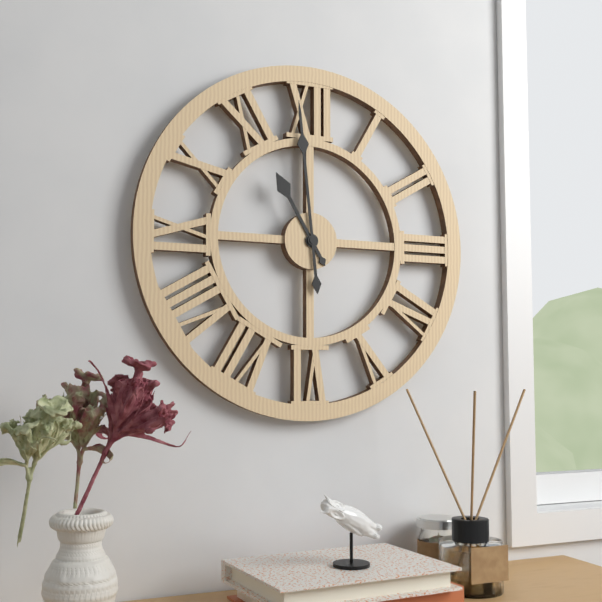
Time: 10h59
